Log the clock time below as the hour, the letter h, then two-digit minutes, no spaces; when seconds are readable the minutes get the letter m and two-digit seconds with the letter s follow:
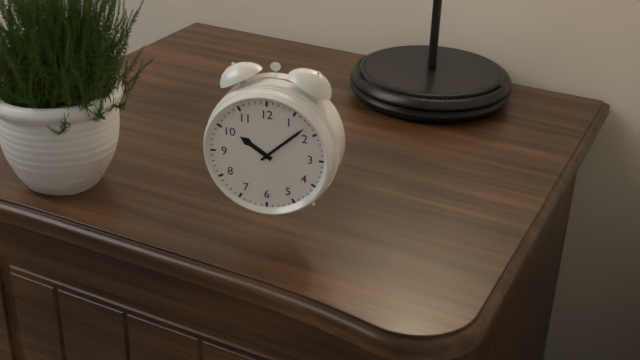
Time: 10h08
